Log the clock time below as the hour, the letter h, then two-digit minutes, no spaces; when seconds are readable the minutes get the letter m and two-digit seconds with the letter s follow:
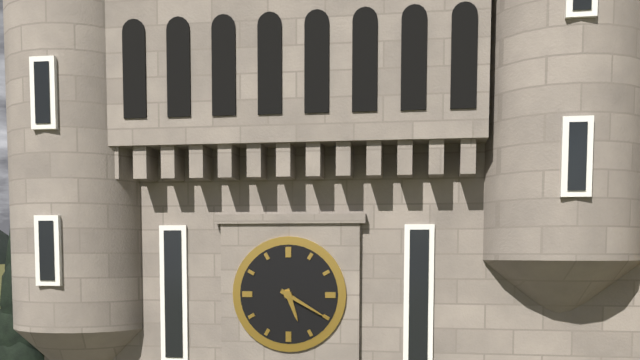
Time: 5h20
